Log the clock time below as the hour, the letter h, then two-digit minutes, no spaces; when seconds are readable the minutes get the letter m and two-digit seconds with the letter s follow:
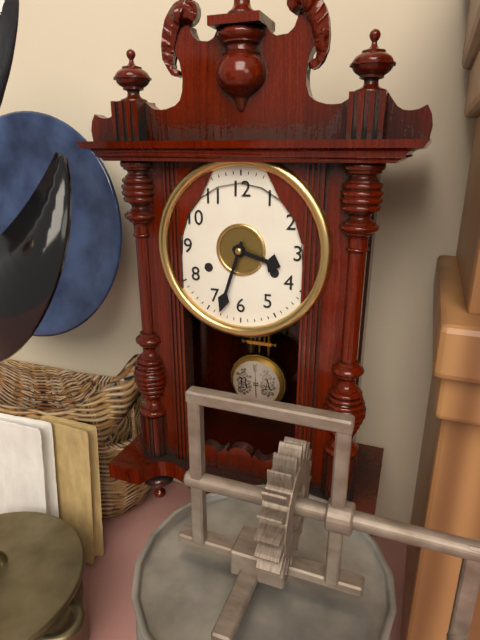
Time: 3h33
